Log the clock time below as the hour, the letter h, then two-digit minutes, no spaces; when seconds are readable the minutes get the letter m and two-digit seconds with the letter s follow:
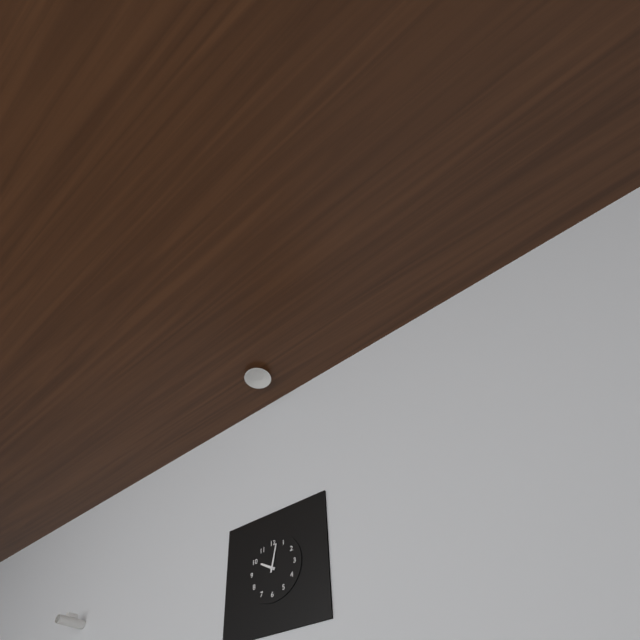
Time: 10h02
